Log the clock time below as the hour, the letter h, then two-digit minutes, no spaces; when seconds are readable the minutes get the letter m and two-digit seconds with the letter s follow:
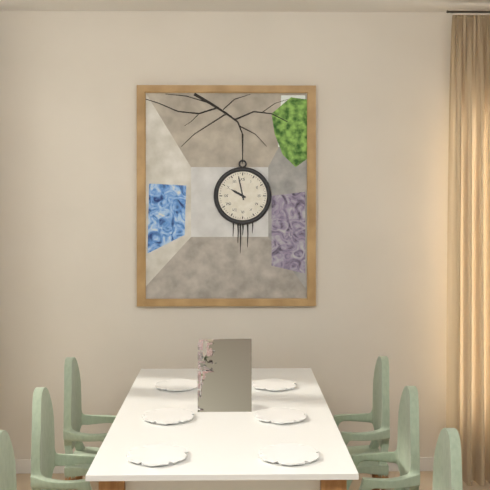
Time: 9h58
